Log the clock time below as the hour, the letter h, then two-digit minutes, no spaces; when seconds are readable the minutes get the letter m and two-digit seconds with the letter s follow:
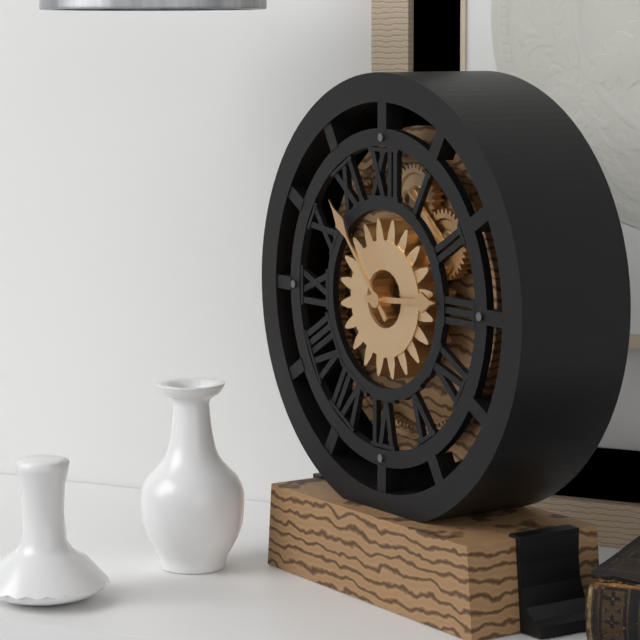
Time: 2h53
